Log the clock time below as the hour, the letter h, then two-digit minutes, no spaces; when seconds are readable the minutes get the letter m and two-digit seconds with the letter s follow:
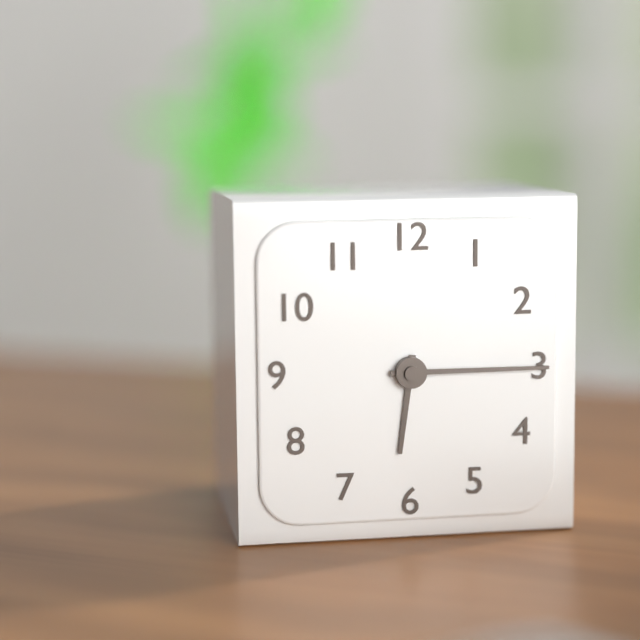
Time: 6h15
